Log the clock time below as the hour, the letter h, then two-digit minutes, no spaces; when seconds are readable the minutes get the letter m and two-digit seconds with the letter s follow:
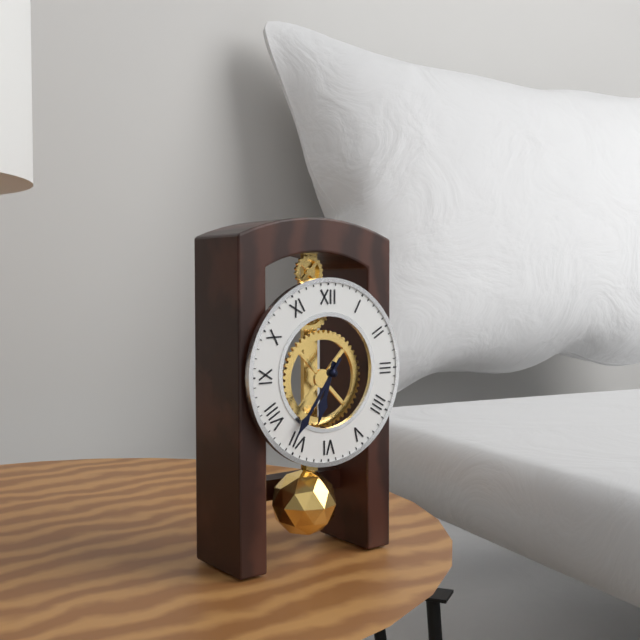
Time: 6h36
